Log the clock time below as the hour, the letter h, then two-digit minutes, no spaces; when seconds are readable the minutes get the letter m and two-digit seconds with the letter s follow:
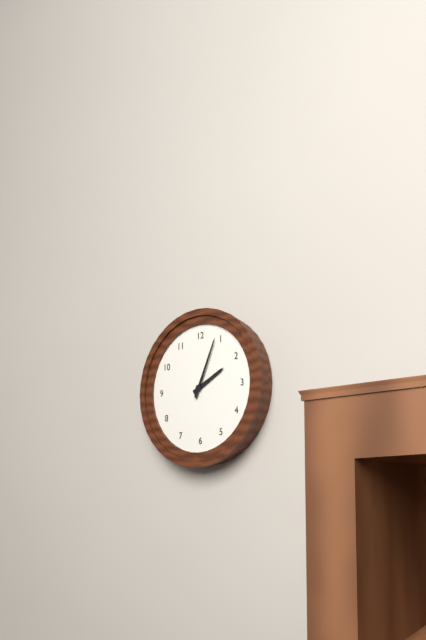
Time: 2h04
